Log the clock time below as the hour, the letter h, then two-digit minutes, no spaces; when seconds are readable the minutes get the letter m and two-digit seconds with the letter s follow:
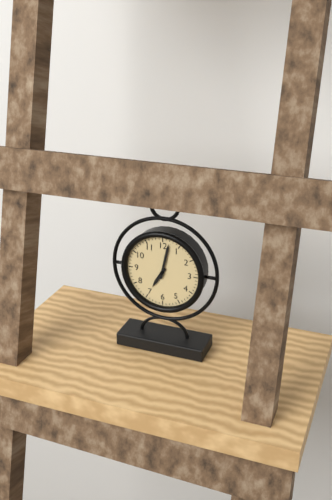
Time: 7h02
